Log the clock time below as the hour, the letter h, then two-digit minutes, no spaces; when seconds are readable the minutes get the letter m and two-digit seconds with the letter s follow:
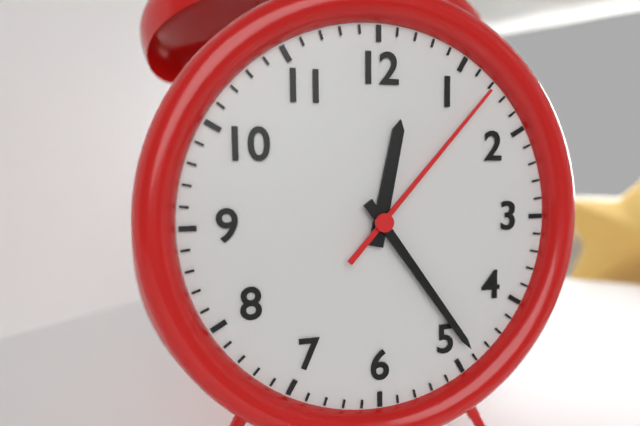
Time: 12h24m07s
